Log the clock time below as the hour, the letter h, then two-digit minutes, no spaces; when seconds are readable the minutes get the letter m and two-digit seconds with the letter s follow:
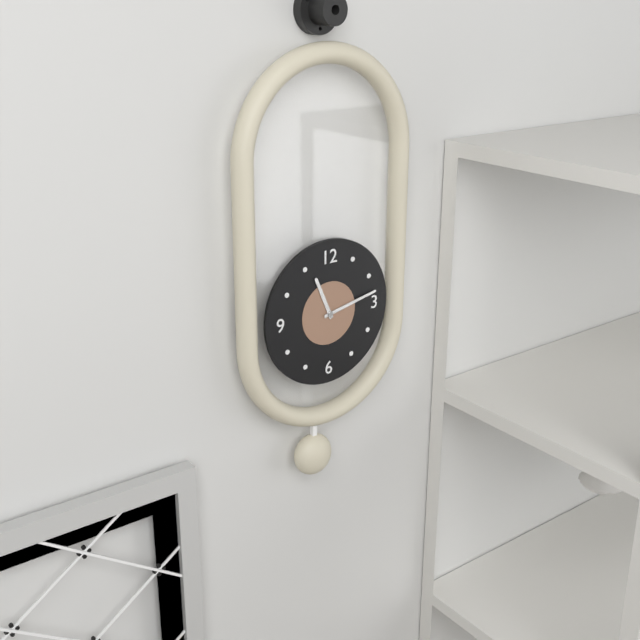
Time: 11h13
